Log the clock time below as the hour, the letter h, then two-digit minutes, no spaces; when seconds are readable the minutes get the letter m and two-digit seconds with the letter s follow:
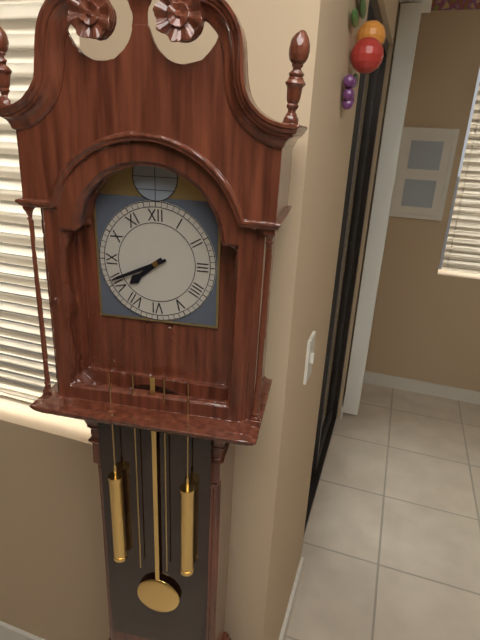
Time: 7h41
